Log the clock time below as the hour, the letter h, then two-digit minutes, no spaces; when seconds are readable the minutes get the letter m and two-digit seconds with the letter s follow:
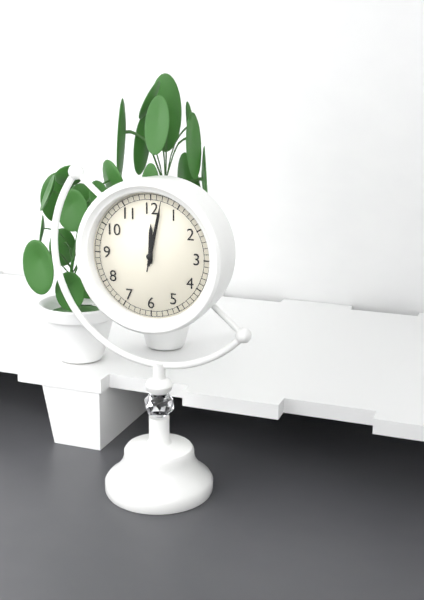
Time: 12h02m02s
